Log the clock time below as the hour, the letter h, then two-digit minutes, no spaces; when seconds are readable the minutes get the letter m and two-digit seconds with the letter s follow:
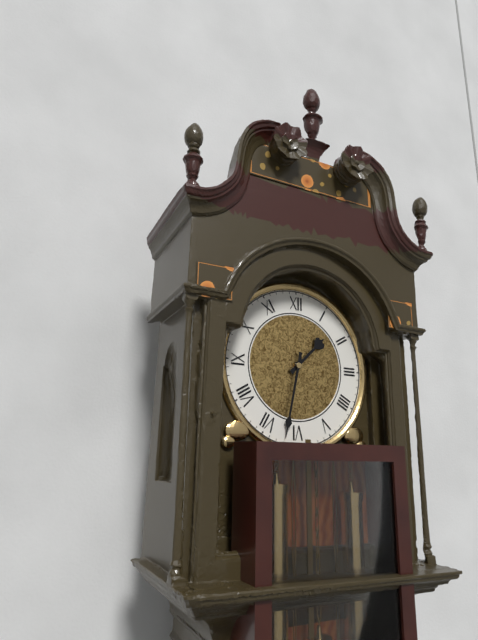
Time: 1h32
